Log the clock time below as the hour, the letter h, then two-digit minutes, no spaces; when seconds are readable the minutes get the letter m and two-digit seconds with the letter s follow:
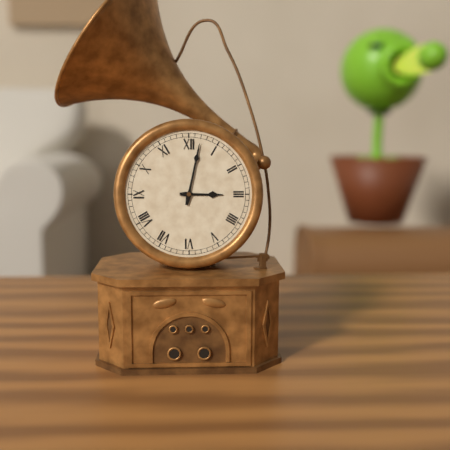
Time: 3h02
